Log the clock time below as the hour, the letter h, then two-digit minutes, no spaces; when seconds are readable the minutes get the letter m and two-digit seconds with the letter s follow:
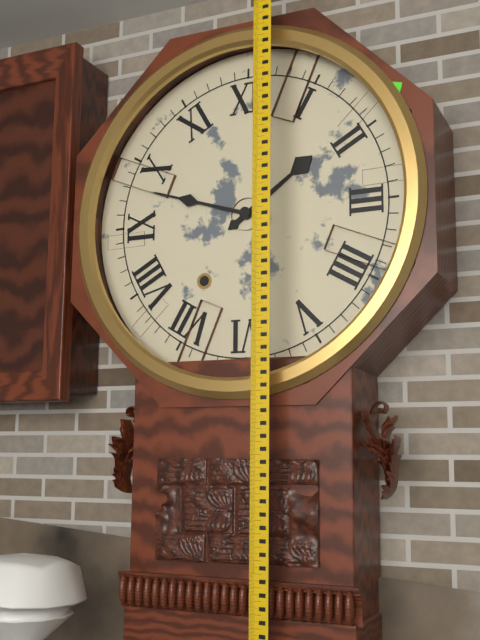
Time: 1h48
